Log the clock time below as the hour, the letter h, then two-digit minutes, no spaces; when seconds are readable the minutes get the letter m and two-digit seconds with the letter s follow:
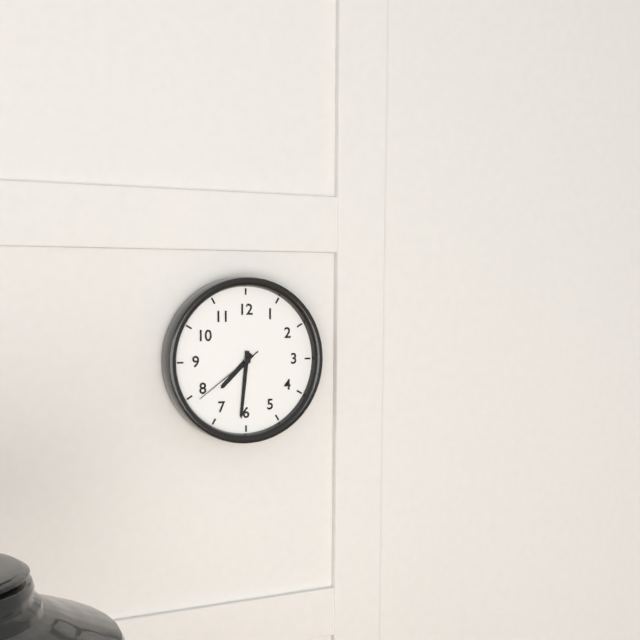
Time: 7h31m39s
